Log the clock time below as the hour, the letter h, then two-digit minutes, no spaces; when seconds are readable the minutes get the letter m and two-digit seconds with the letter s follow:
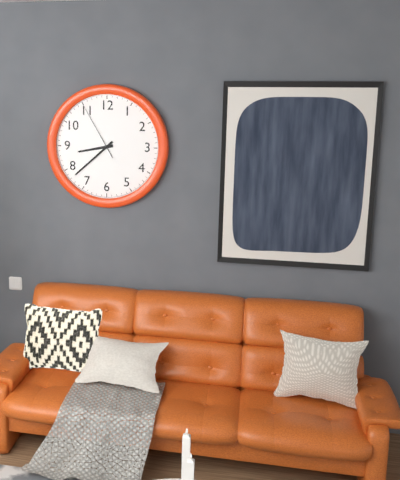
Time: 8h38m55s
